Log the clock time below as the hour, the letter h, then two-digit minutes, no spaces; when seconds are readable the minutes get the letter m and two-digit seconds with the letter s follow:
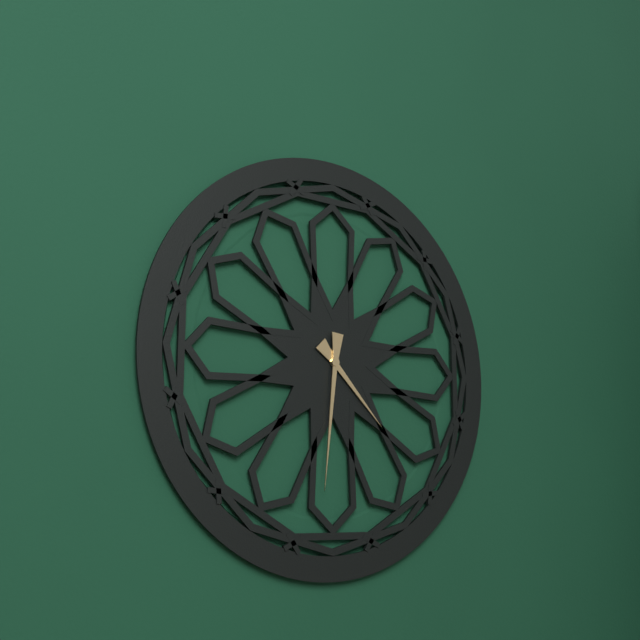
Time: 4h31
